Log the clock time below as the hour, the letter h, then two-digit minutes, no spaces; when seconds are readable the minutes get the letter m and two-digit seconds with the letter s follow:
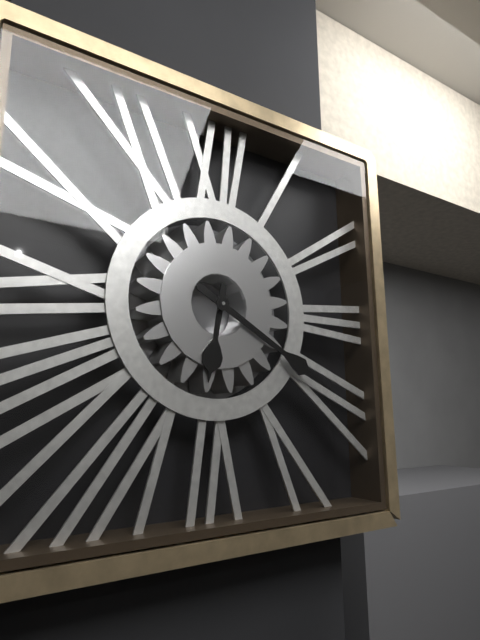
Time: 6h20
